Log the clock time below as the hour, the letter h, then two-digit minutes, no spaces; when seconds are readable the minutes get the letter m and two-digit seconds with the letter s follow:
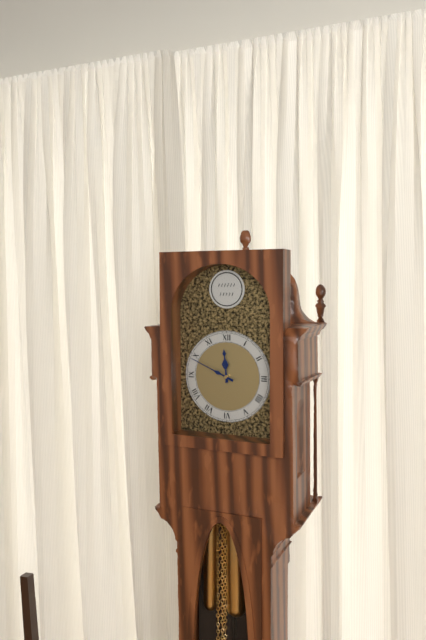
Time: 11h49
